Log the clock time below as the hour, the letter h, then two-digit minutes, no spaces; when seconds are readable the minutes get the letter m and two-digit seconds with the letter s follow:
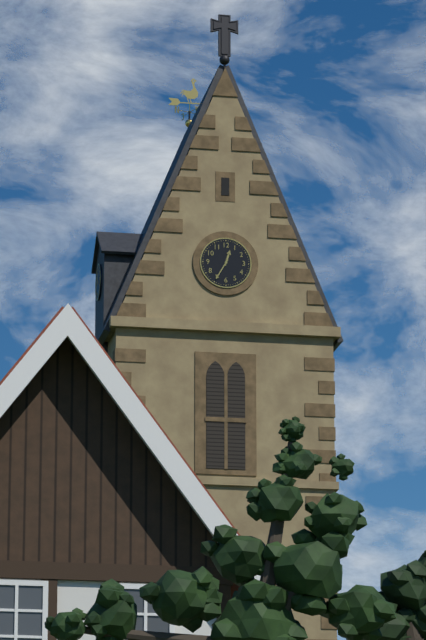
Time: 12h35
